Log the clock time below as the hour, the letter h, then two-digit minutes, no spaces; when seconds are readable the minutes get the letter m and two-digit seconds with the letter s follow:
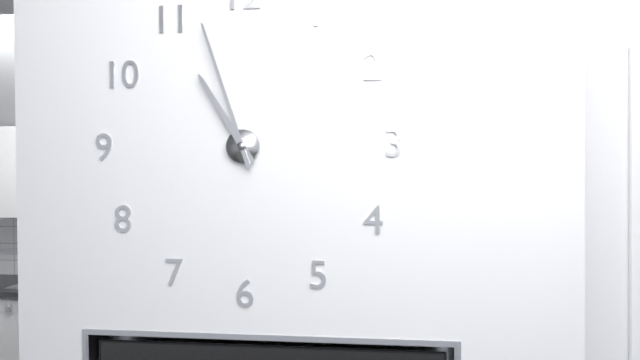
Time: 10h57
